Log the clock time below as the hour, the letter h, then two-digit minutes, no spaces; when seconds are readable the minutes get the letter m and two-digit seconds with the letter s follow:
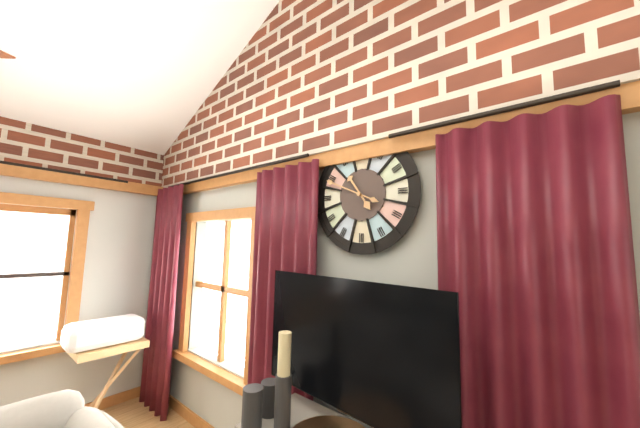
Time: 10h49
